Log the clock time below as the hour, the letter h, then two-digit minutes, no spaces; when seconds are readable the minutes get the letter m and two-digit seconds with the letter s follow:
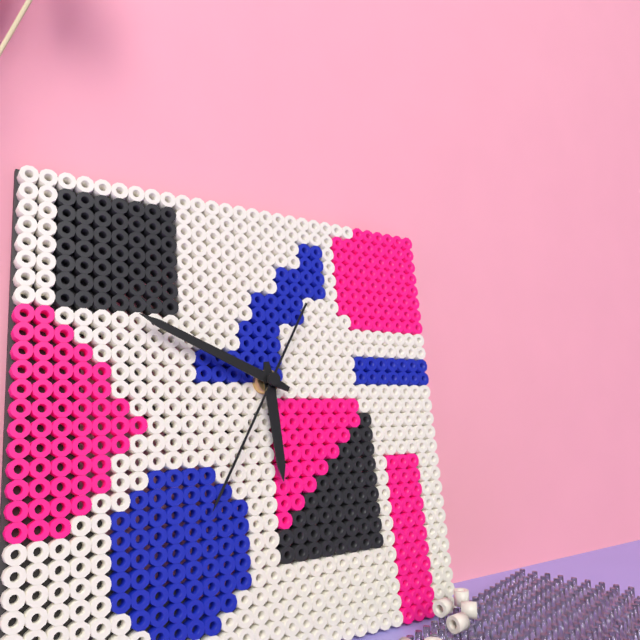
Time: 5h49m35s
